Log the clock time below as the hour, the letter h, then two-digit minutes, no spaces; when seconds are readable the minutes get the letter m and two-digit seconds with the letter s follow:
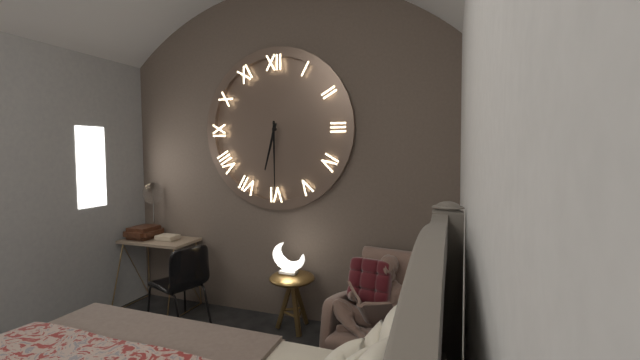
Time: 6h30
